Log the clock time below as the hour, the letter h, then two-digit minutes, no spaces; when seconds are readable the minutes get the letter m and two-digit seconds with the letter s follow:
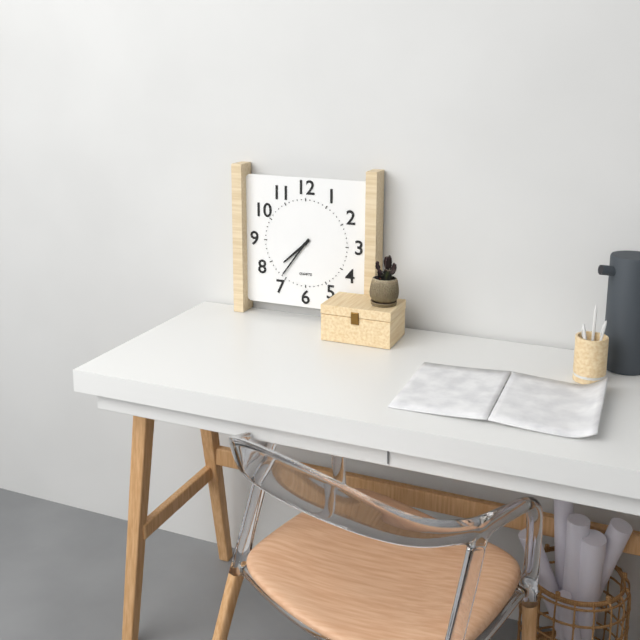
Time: 7h36
